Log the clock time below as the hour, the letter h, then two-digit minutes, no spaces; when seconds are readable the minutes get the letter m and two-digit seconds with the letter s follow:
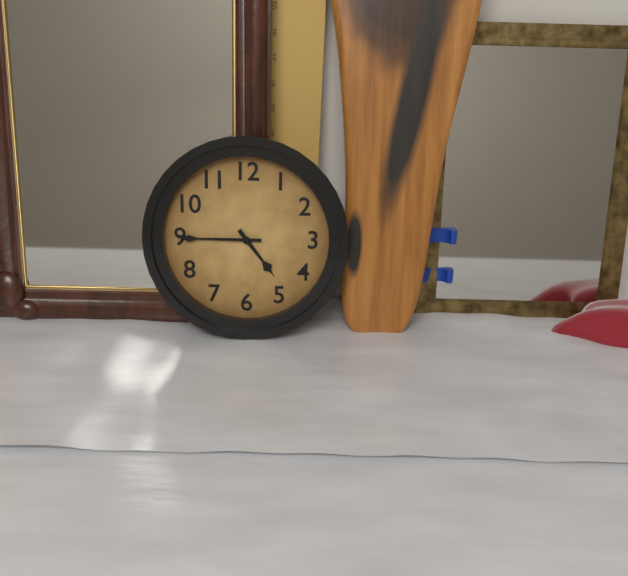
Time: 4h45
